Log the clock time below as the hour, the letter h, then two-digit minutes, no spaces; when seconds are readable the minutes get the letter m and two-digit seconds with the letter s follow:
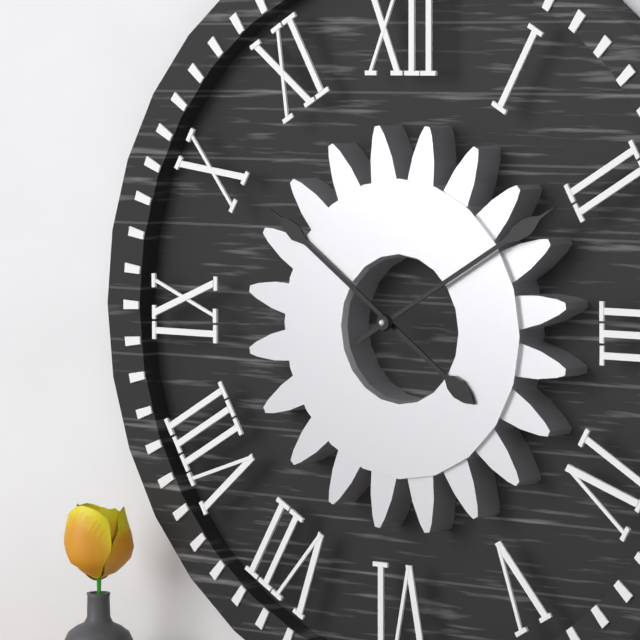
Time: 10h10
